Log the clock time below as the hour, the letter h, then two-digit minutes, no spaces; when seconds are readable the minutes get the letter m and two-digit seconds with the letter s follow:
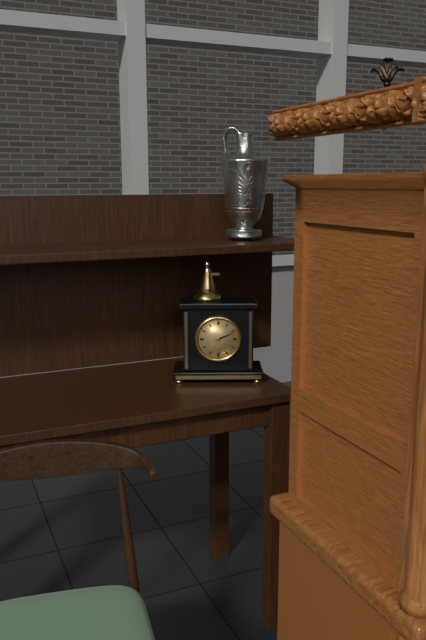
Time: 2h11
